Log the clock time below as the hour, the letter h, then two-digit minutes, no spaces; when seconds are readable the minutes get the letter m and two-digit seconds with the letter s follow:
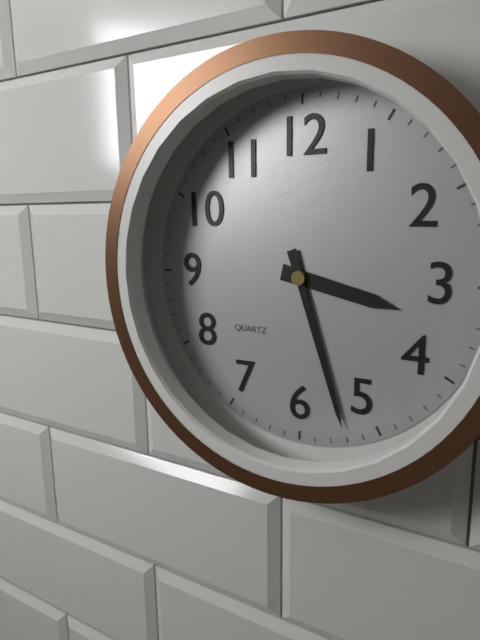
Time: 3h27
